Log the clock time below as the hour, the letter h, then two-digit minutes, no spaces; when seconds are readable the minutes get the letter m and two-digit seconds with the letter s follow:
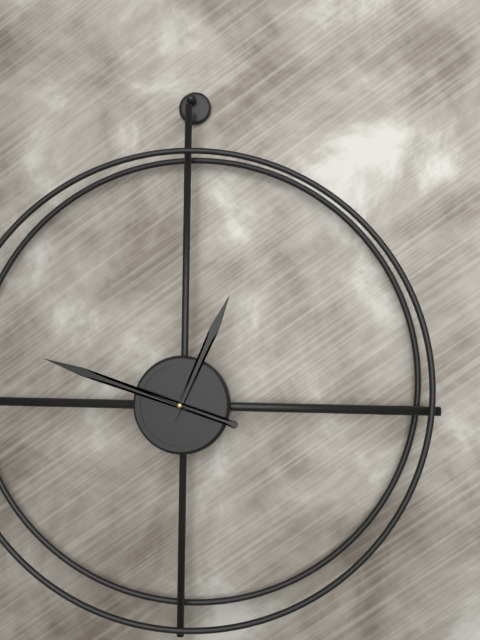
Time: 12h48
